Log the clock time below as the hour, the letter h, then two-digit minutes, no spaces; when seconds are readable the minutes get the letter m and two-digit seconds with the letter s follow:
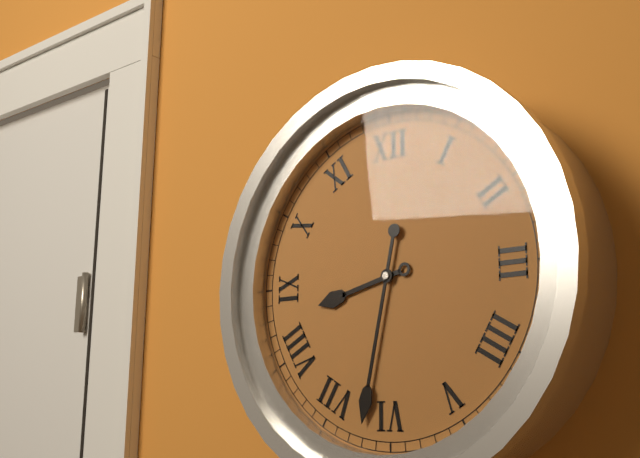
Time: 8h32
